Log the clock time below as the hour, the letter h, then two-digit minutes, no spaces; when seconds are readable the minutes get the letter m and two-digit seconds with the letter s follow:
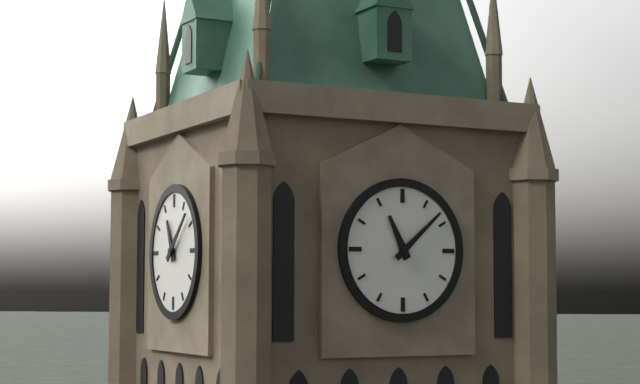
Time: 11h08
